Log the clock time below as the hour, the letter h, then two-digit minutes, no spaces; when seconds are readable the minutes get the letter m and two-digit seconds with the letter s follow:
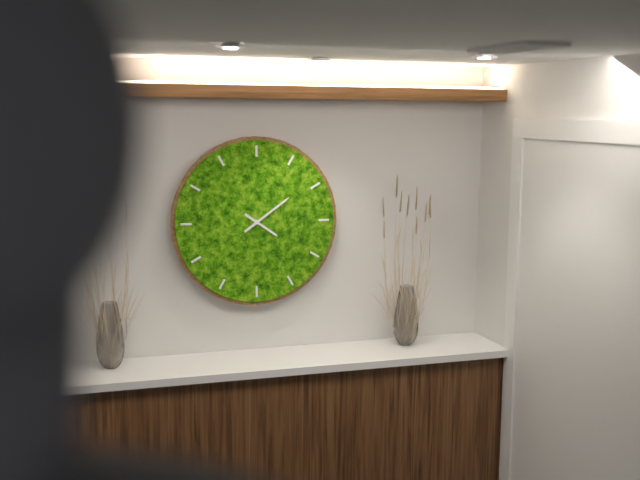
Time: 4h09
